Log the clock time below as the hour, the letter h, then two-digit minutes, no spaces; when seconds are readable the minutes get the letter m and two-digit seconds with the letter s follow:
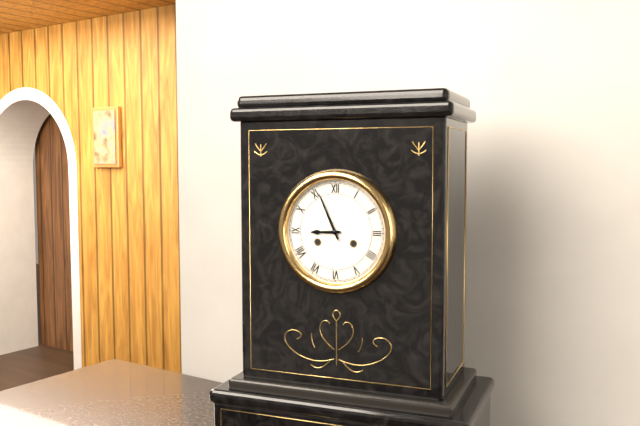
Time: 8h56
